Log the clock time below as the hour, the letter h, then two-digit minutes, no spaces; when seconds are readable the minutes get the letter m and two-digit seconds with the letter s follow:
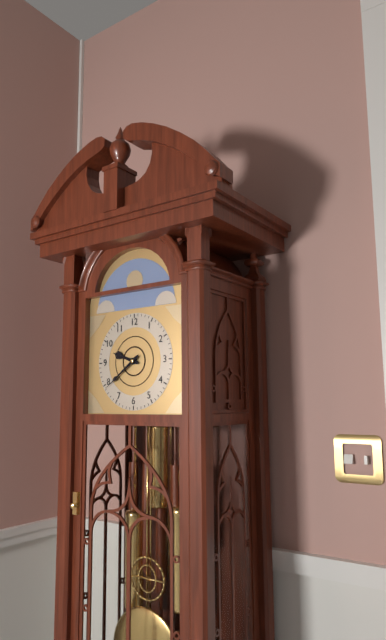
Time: 9h39
